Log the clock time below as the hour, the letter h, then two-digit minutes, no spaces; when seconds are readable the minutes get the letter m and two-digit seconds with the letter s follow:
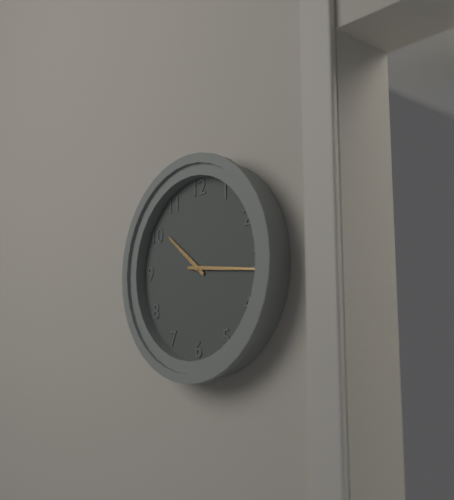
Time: 10h16
